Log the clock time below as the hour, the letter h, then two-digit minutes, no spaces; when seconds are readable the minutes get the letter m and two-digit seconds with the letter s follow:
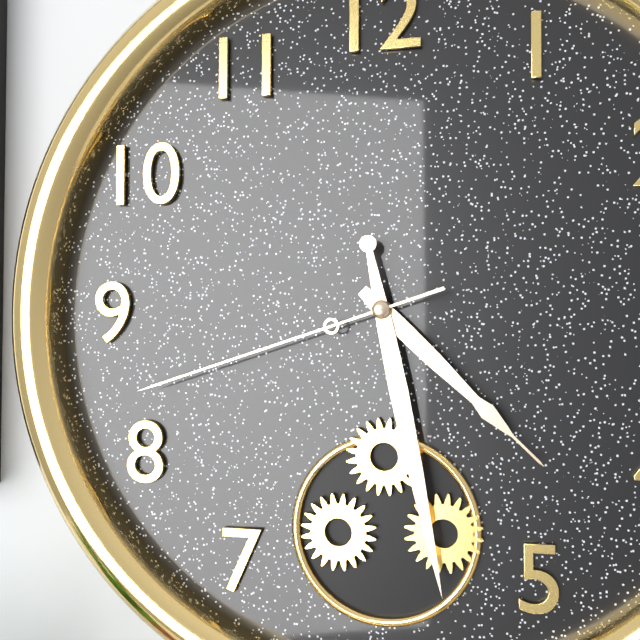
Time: 4h28m42s
